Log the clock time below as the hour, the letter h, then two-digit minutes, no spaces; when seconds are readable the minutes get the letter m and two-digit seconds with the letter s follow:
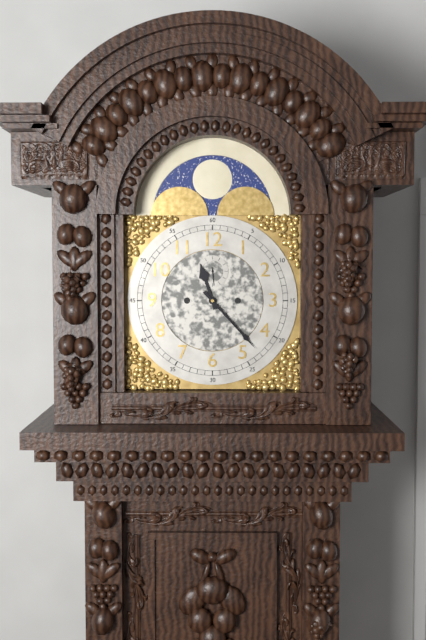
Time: 11h23
